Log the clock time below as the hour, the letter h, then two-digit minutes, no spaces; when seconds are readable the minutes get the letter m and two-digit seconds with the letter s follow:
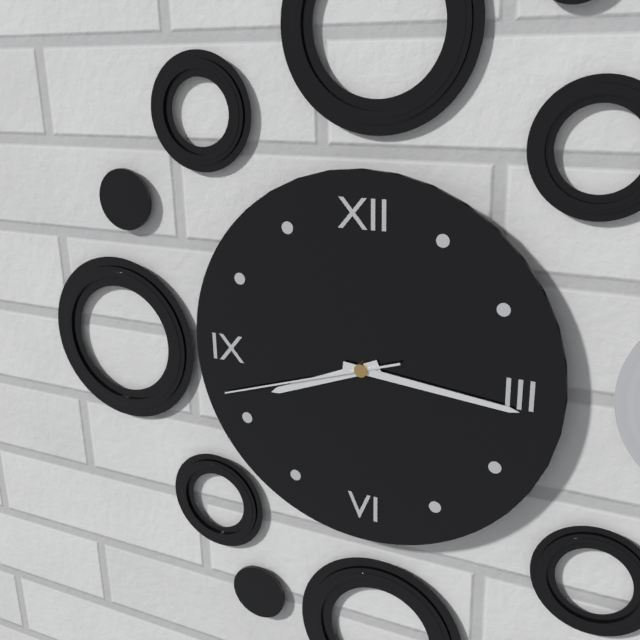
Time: 8h16m42s
